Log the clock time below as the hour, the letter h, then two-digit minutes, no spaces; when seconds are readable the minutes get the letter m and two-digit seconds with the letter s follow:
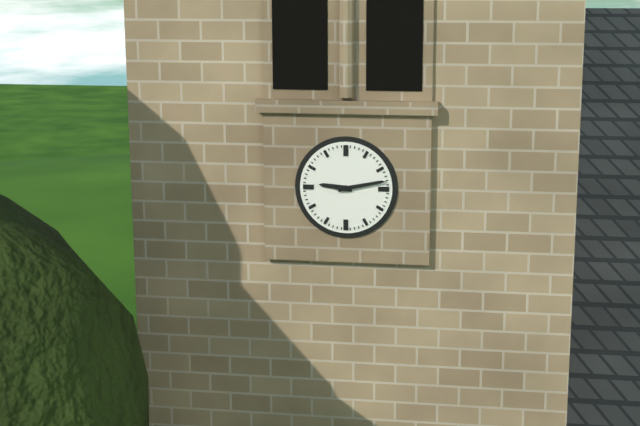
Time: 9h13
